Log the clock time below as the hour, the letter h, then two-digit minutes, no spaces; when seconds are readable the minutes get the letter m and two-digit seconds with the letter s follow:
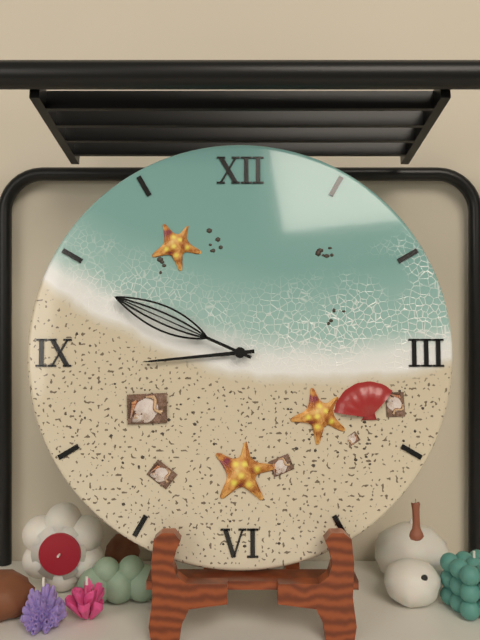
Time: 8h49
